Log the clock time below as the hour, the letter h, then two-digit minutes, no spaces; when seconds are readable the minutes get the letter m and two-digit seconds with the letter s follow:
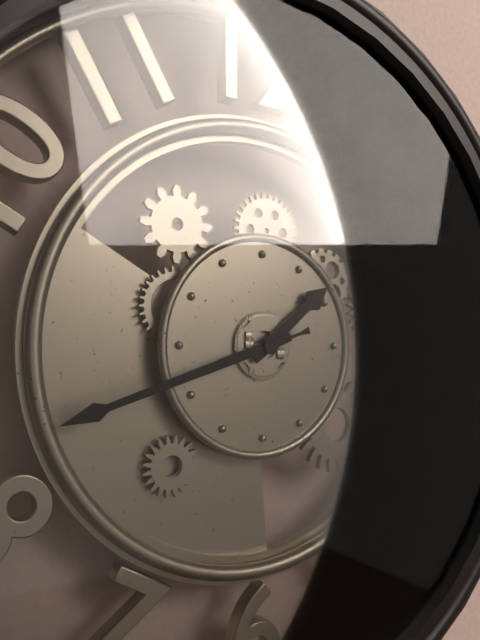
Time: 1h42m42s
